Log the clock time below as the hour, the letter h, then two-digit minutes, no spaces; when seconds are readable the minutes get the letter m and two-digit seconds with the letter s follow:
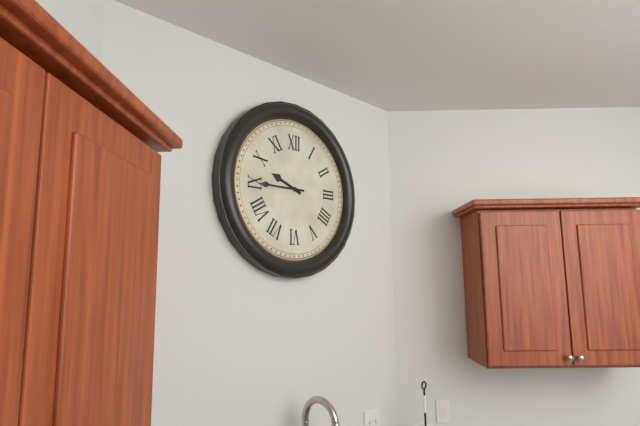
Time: 9h45
